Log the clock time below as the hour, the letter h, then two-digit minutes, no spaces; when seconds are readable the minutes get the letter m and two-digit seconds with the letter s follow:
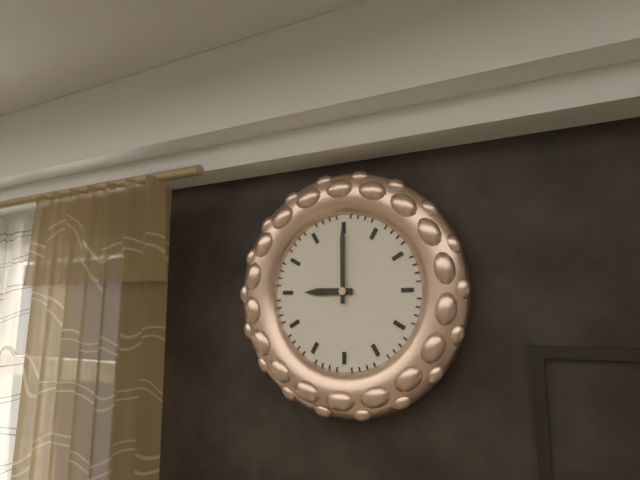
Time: 9h00
